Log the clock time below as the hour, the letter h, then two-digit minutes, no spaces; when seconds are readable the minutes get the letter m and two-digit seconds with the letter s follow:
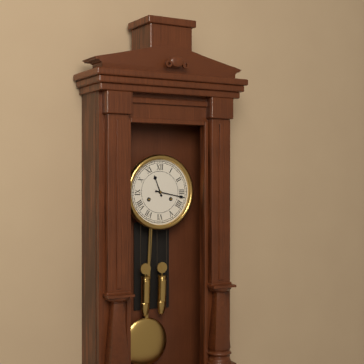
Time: 11h17
